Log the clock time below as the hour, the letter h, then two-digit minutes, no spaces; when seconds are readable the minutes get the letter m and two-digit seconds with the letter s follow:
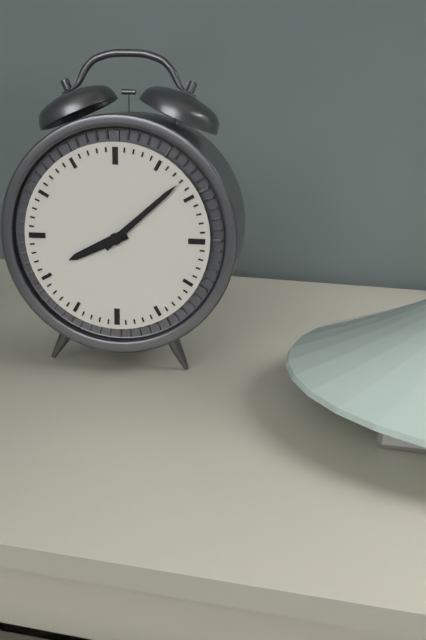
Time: 8h08
